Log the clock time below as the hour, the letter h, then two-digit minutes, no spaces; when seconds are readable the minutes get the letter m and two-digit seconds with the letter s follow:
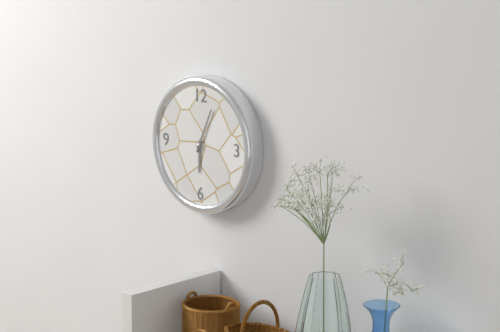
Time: 6h04
